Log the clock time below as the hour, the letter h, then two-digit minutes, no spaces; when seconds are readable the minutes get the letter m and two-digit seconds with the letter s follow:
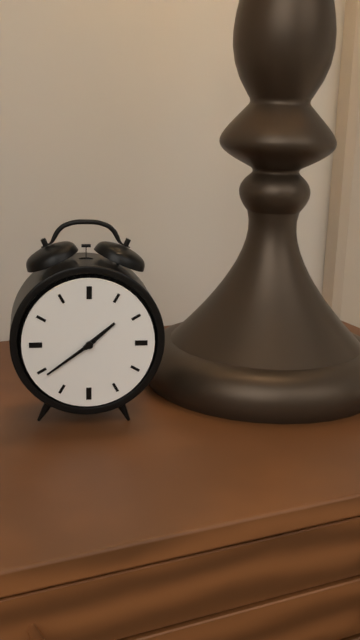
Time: 1h39
